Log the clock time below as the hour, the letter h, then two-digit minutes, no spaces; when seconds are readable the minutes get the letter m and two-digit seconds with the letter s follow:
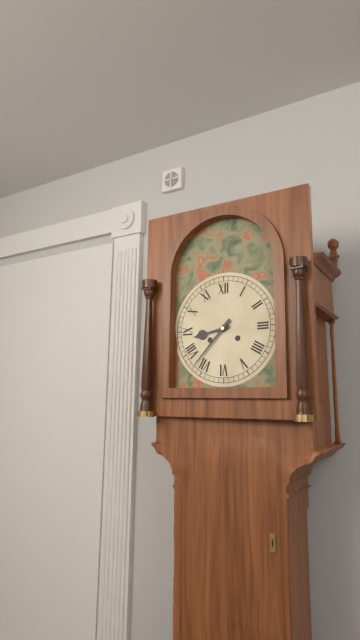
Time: 8h37
